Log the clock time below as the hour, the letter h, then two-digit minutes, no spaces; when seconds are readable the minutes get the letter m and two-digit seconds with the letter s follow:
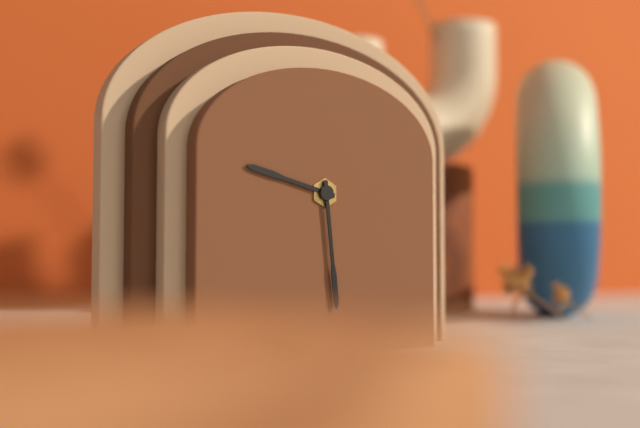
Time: 9h29
